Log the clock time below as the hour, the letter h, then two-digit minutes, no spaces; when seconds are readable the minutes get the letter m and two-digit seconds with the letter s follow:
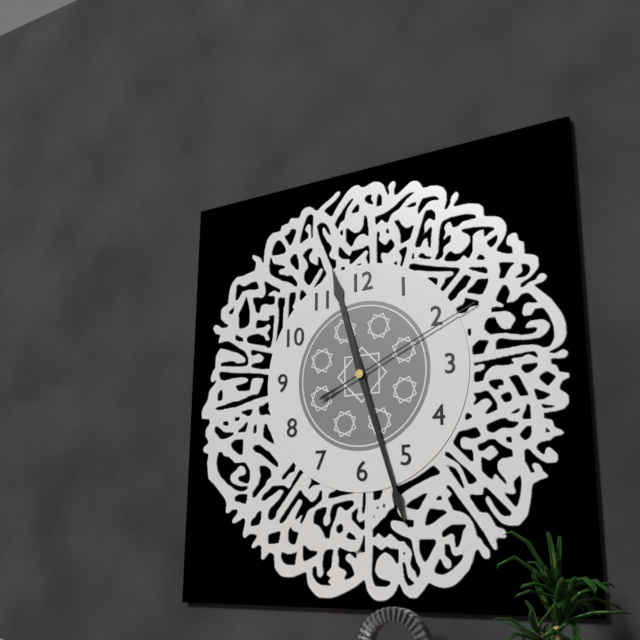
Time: 11h27m11s
